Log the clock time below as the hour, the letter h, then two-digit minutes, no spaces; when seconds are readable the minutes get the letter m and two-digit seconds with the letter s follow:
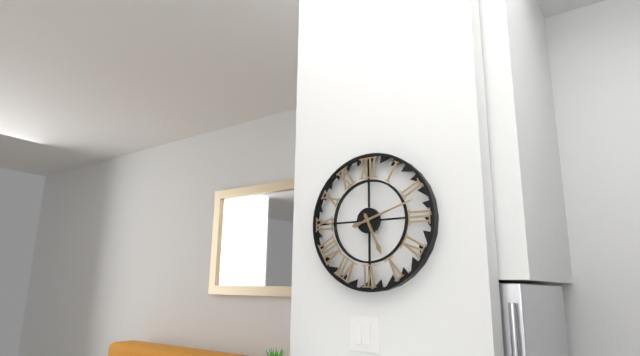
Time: 5h12
